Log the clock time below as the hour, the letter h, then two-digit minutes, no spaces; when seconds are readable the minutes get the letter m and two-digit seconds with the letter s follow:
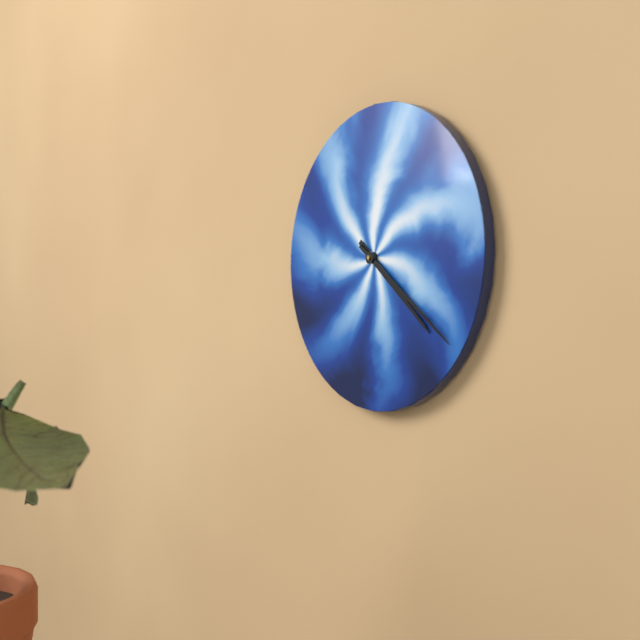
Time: 4h21
